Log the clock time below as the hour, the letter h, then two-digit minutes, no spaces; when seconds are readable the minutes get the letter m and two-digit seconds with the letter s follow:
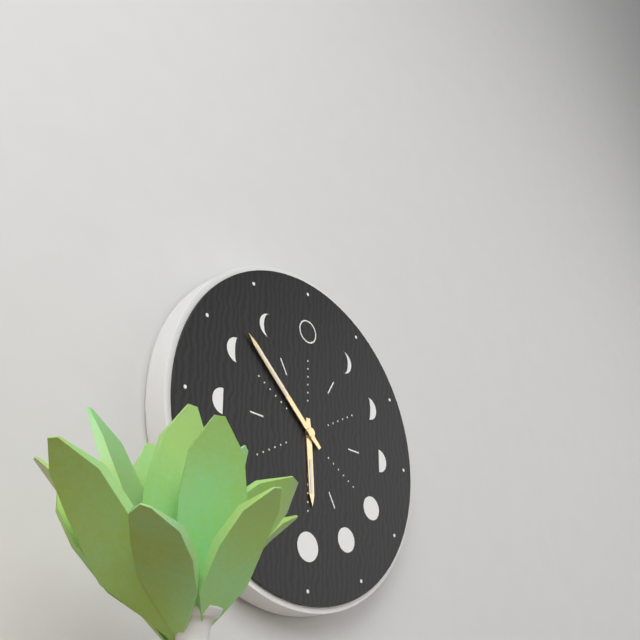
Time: 5h52
